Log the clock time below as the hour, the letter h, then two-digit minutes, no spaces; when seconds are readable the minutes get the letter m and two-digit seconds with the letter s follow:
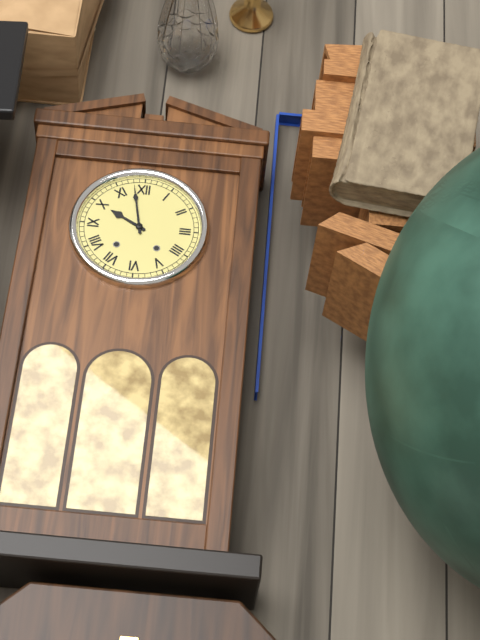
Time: 9h58
